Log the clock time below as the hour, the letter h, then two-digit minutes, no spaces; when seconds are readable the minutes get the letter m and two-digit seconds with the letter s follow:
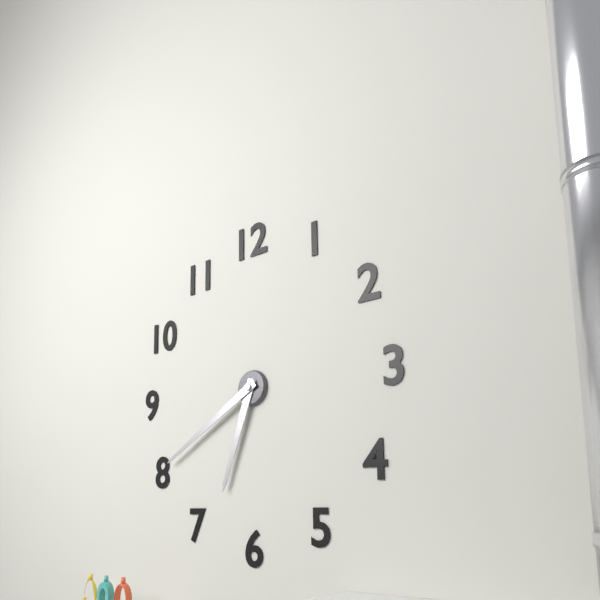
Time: 6h40
